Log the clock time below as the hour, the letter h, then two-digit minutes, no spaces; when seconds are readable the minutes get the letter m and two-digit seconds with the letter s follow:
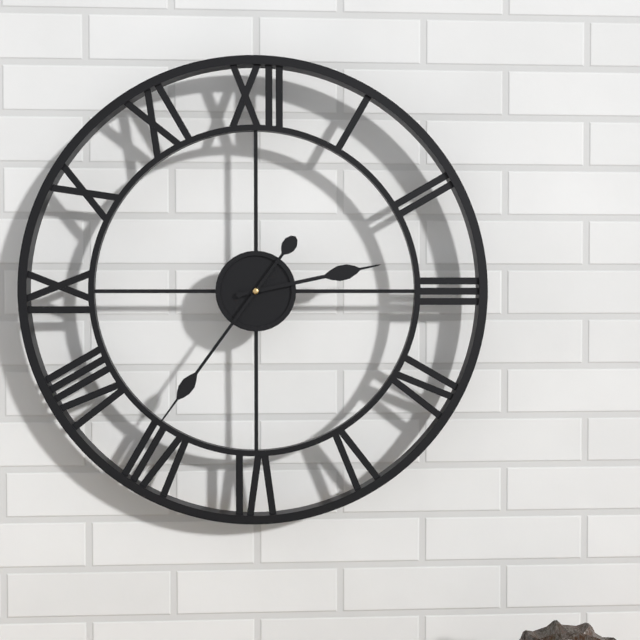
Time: 2h36
